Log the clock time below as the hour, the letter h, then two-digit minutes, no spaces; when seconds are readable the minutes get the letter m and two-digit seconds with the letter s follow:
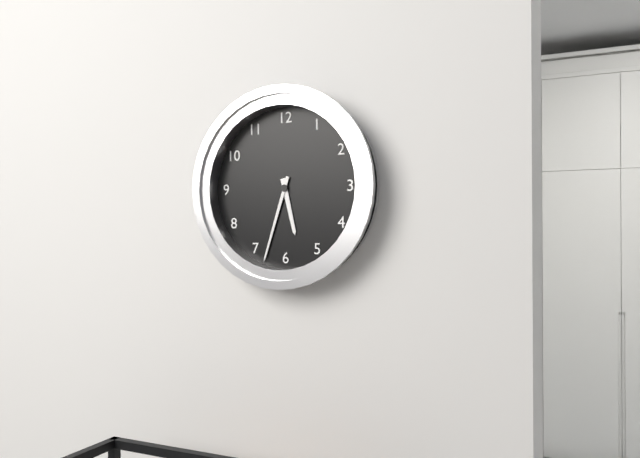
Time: 5h33
